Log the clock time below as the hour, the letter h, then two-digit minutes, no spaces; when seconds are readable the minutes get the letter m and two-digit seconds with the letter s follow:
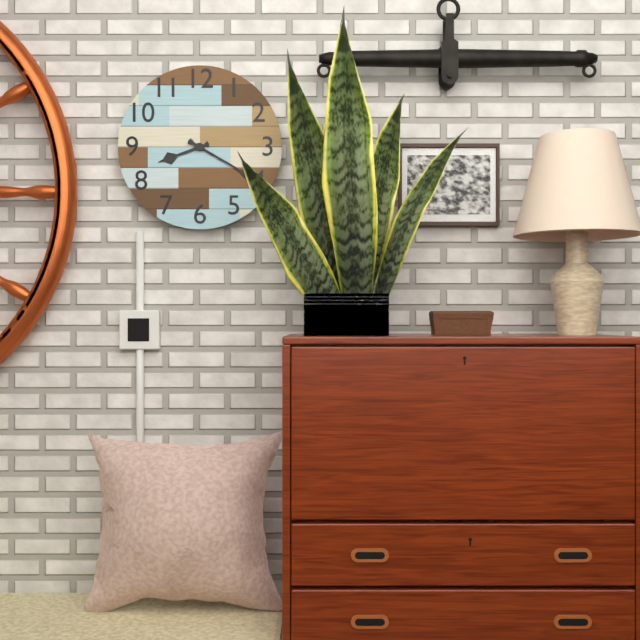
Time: 8h20
